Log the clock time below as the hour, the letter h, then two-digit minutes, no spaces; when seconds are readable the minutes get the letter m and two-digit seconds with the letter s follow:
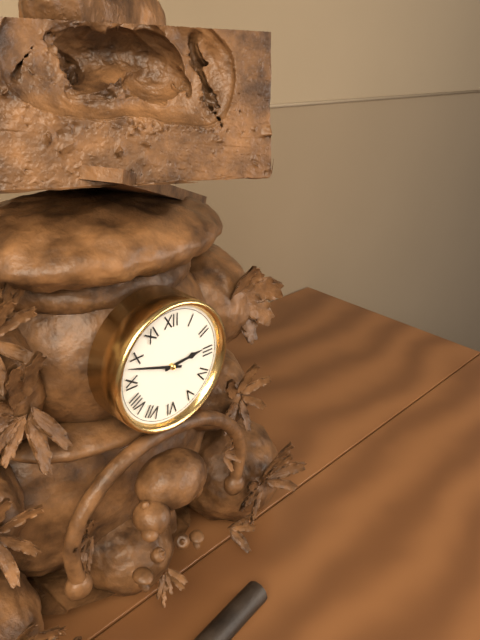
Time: 2h48
